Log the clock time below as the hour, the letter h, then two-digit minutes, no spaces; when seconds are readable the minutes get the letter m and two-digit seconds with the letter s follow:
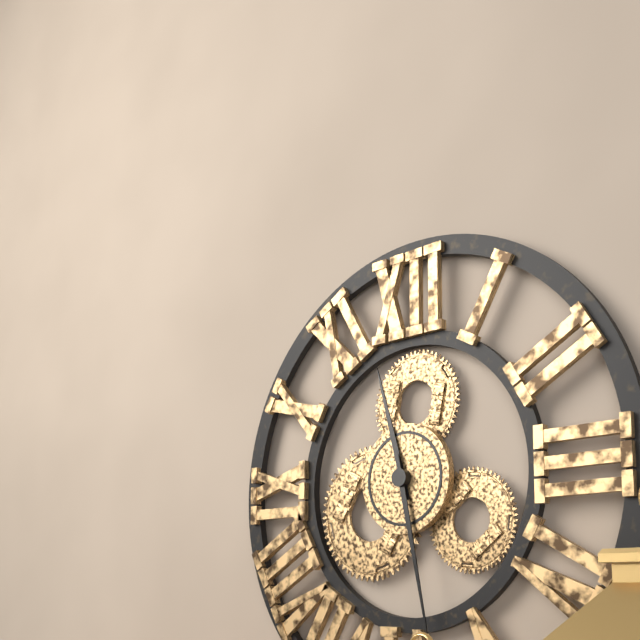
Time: 11h28
